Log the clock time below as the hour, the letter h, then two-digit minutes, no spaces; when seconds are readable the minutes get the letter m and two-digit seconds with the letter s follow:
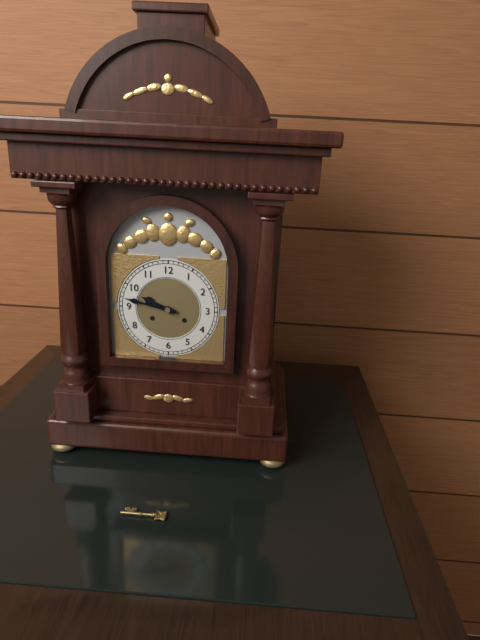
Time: 9h47
